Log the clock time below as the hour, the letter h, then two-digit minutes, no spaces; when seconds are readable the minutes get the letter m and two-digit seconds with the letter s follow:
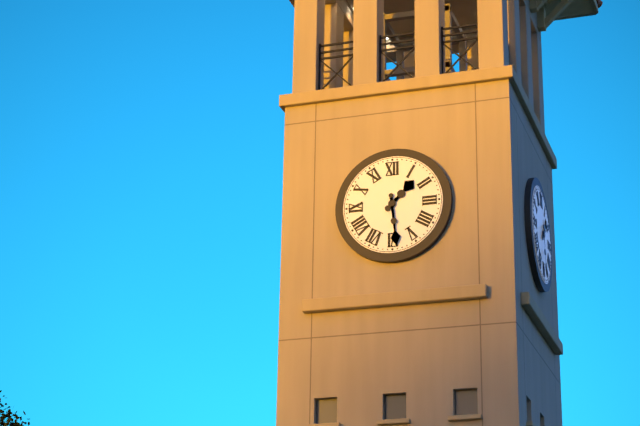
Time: 1h29
